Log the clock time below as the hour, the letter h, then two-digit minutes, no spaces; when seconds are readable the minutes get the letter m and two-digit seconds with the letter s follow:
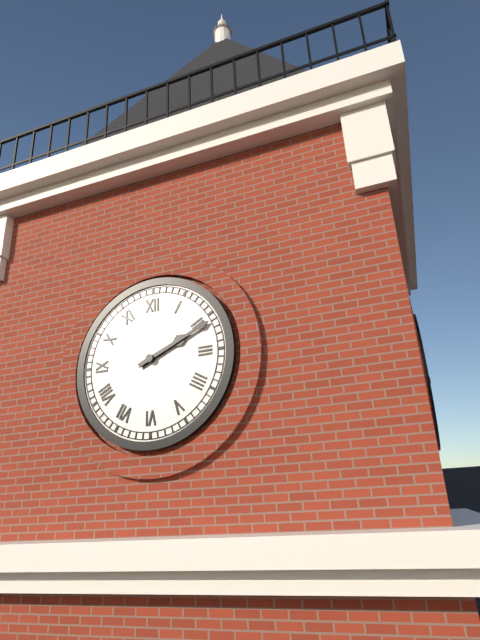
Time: 2h11
